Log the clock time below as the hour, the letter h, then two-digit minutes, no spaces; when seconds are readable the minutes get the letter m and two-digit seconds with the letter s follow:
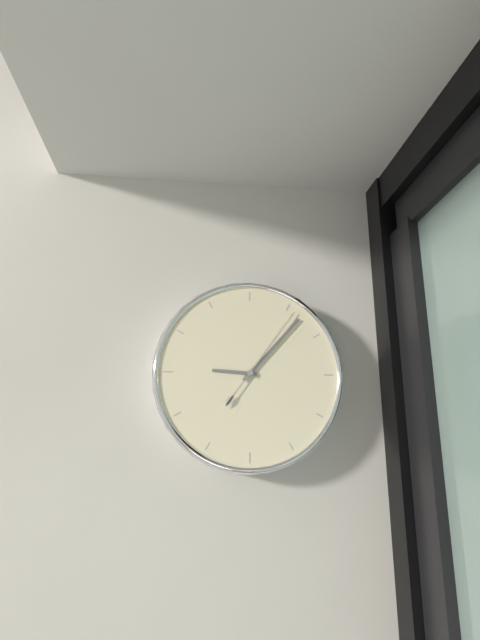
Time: 9h07m06s
